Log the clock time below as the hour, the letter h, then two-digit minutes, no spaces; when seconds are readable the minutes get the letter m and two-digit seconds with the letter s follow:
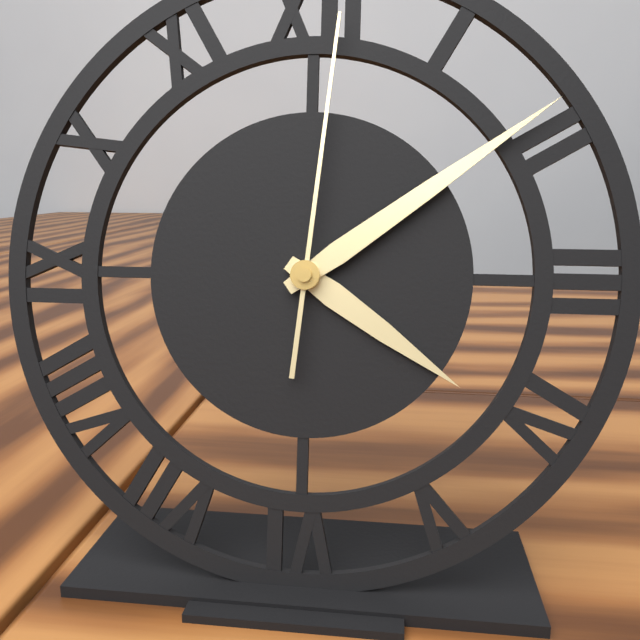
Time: 4h09m01s
